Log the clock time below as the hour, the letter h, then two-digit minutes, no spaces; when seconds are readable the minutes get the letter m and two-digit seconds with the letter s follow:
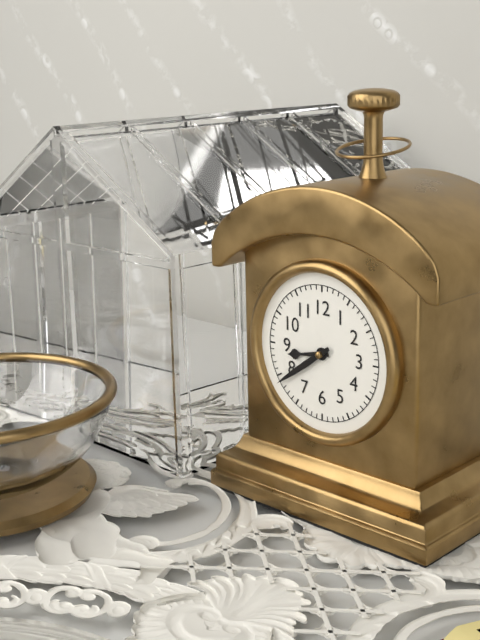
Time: 8h39
